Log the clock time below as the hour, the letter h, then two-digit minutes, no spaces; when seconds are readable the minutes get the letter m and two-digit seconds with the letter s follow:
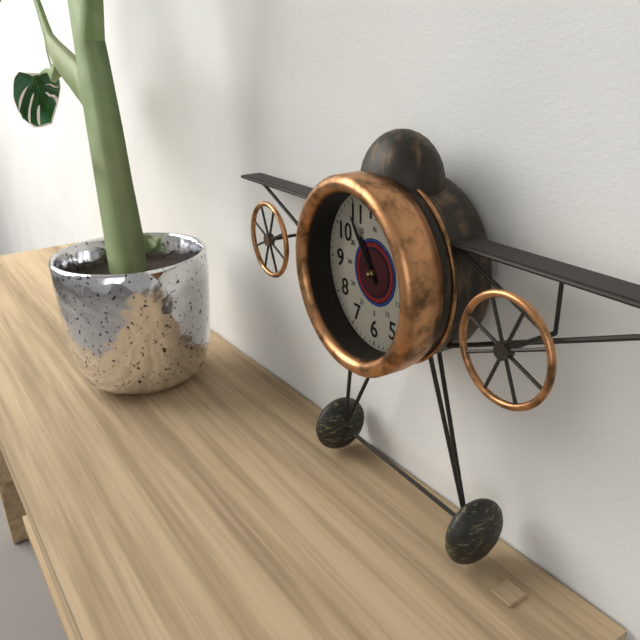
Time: 10h54
